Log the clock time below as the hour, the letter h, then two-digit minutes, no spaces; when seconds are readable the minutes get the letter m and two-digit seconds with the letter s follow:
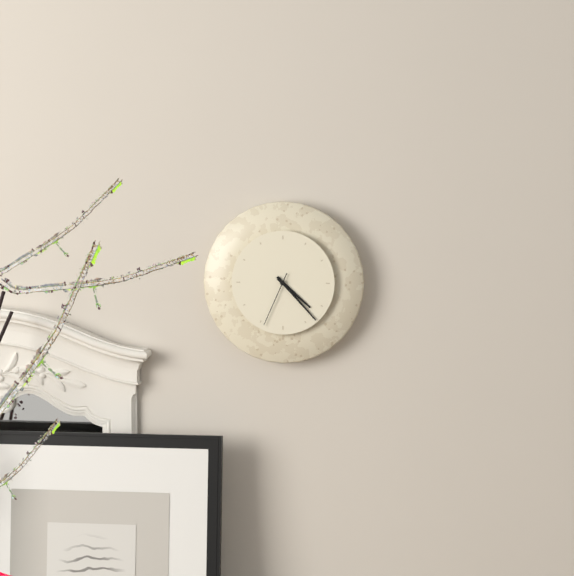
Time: 4h23m34s
